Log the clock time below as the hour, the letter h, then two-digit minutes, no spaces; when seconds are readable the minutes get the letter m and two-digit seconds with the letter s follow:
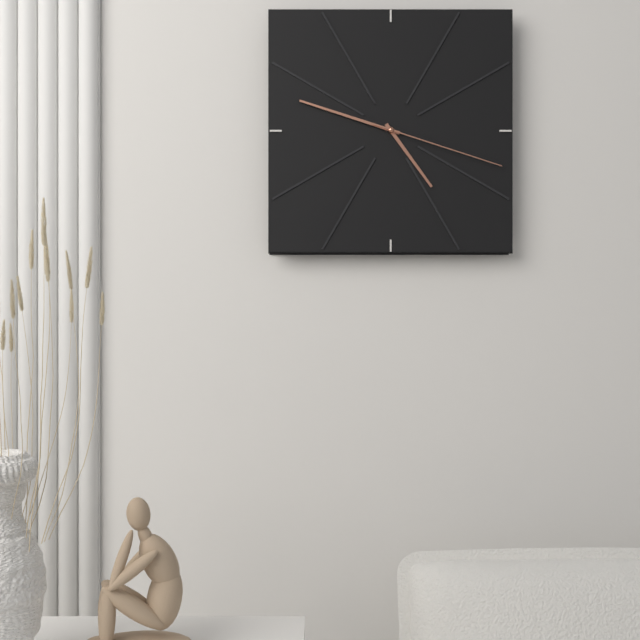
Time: 4h48m18s
